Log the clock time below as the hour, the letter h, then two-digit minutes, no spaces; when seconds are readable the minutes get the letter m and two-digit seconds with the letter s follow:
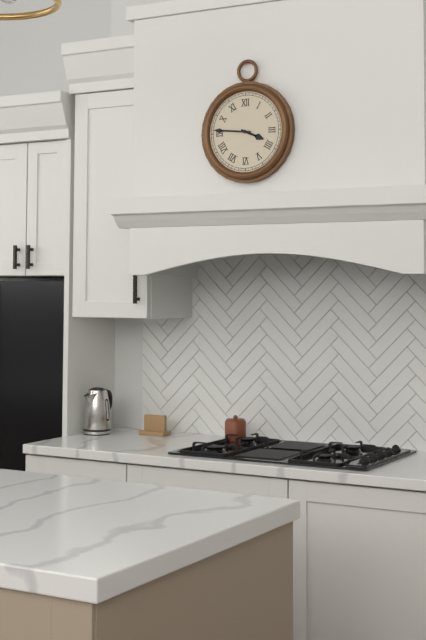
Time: 3h46
